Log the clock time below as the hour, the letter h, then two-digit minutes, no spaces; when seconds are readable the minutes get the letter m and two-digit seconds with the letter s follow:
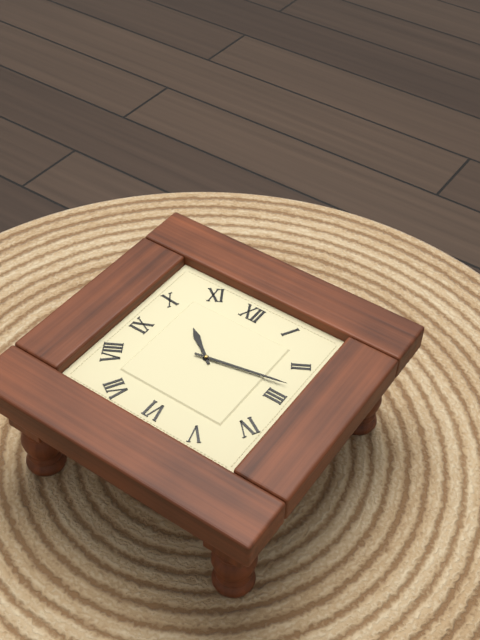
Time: 10h13
